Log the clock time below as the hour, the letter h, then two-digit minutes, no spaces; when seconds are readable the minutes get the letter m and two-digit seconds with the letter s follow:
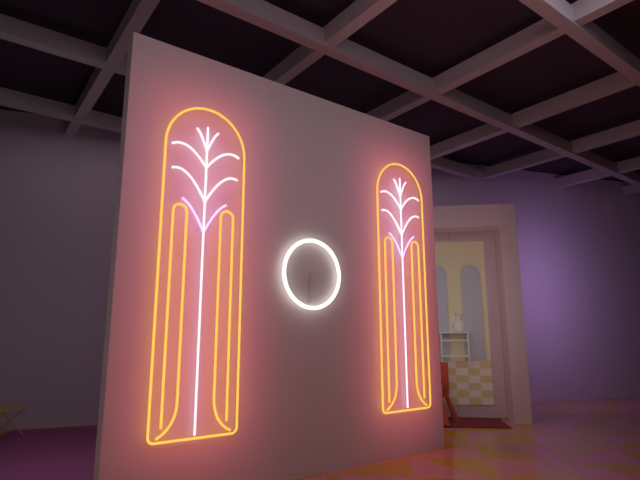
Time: 6h31
